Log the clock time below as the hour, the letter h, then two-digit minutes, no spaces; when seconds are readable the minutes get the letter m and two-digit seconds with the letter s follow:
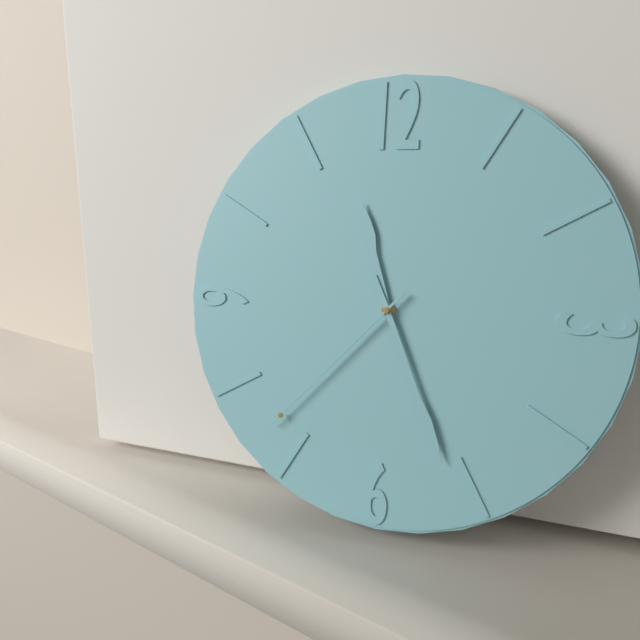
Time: 11h26m37s
